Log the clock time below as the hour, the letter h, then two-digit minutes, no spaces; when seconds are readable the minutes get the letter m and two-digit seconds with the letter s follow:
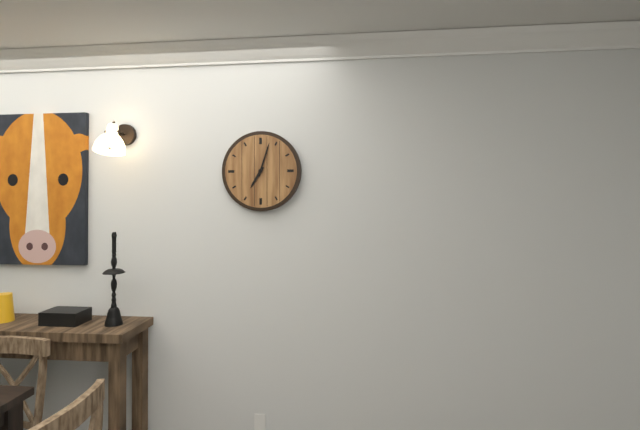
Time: 7h03
